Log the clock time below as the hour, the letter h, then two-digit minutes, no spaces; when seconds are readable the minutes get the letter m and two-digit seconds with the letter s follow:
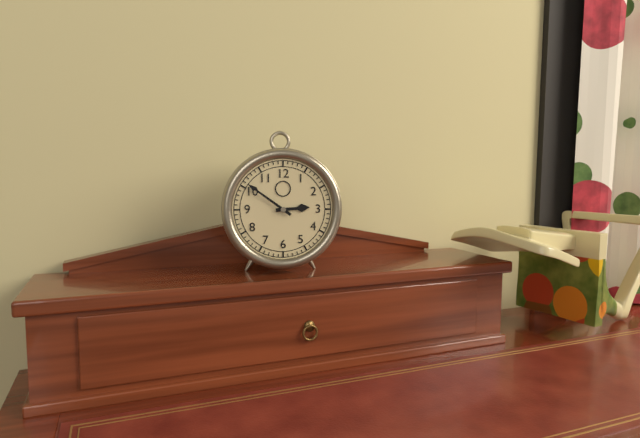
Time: 2h51
